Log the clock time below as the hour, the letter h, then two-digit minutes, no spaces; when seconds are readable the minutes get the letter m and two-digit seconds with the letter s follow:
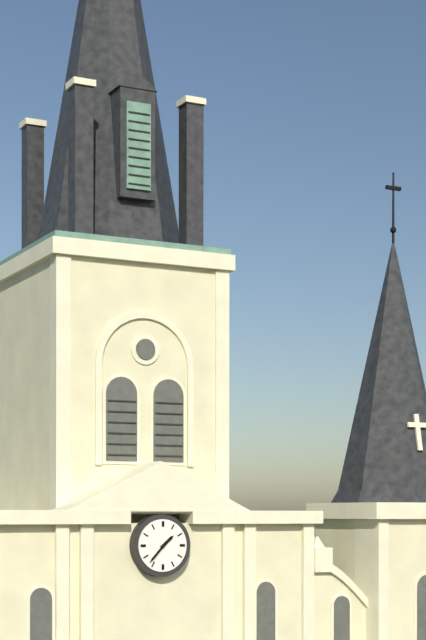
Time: 1h37
